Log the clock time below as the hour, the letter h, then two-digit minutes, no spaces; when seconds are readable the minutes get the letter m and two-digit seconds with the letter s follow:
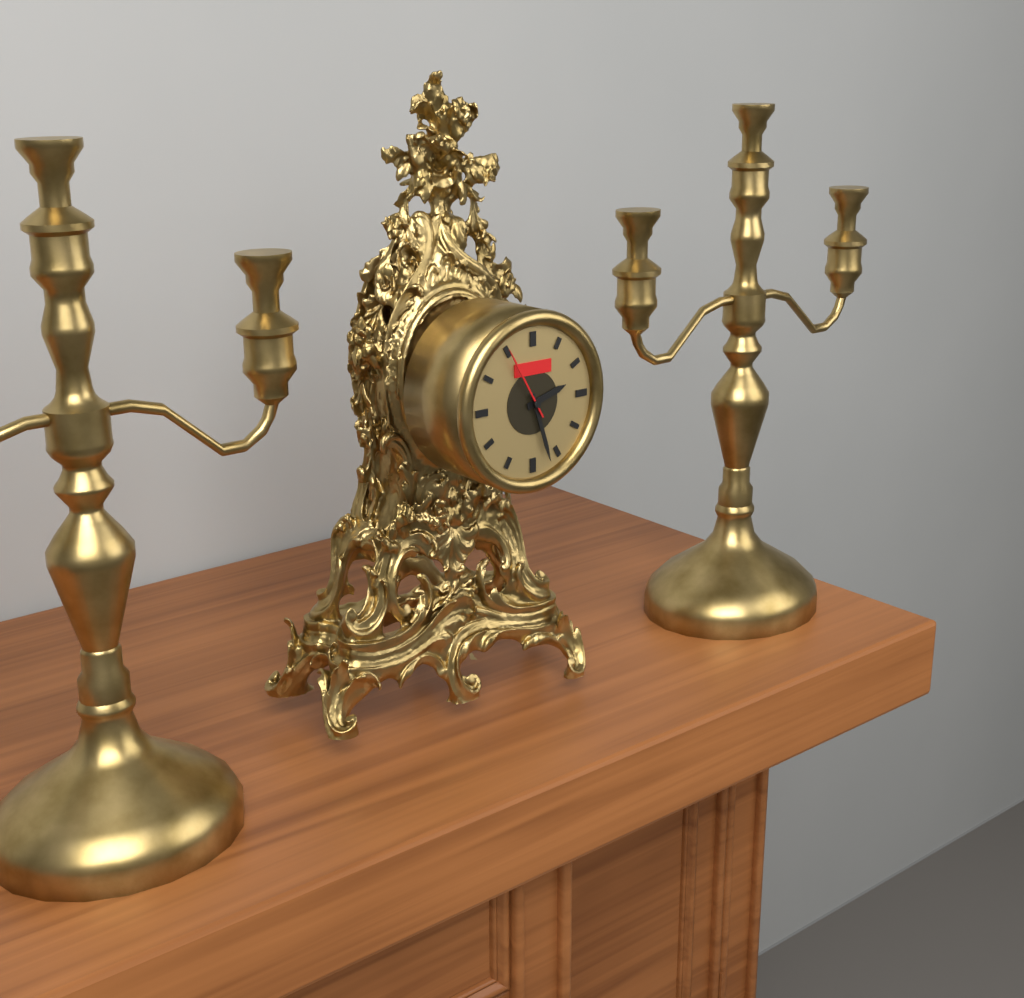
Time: 2h27m55s
